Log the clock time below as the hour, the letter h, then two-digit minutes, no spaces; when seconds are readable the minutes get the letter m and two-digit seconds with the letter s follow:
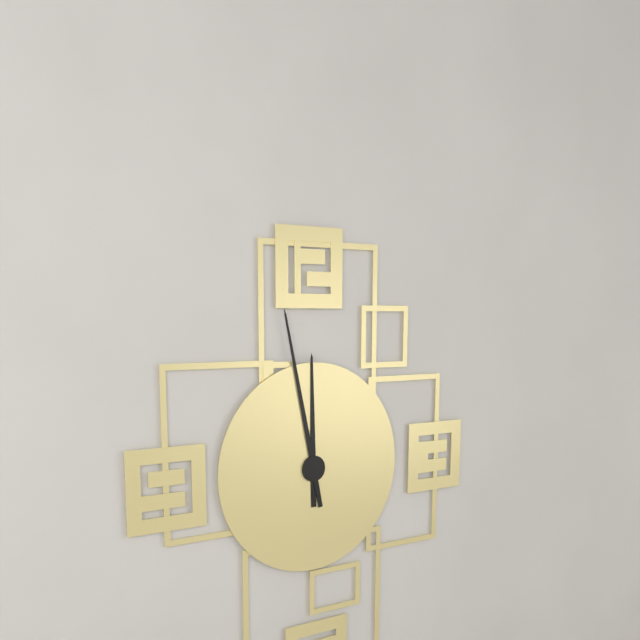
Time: 11h58
